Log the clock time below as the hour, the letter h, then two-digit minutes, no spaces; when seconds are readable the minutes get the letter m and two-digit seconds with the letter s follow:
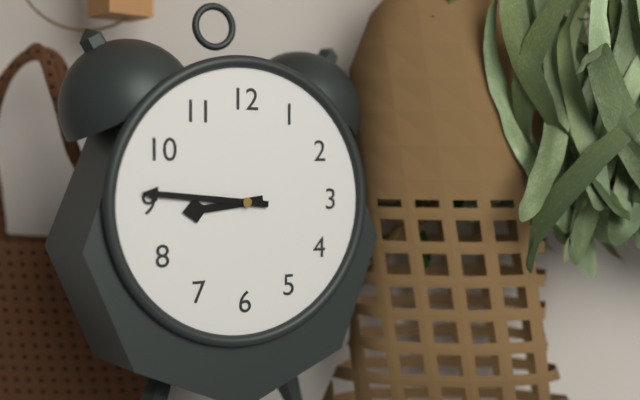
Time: 8h46
